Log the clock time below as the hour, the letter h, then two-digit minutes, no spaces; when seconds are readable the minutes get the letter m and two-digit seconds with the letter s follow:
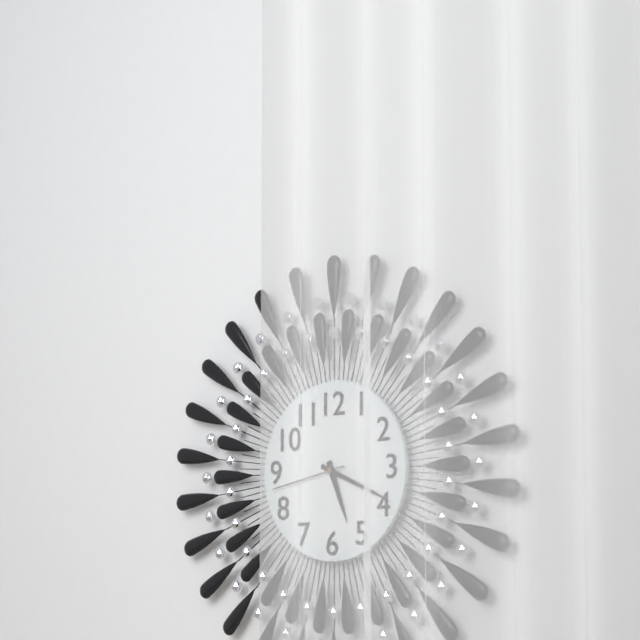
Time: 5h19m43s
